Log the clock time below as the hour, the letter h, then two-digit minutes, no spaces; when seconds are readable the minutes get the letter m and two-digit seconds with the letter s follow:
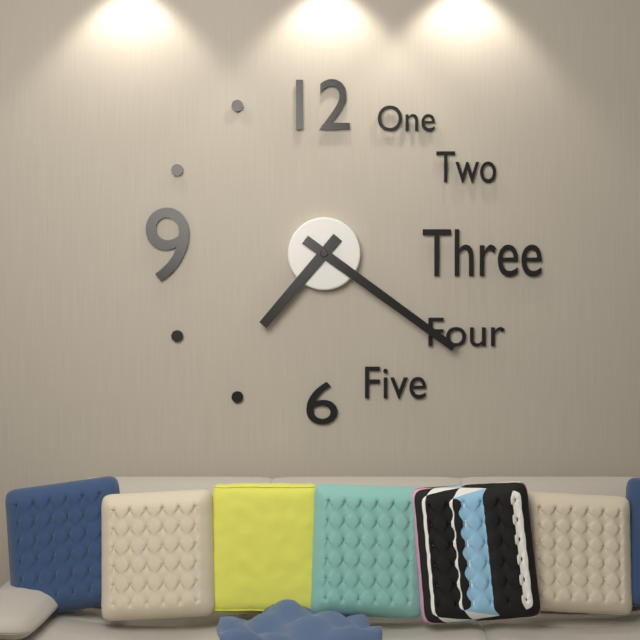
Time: 7h21
